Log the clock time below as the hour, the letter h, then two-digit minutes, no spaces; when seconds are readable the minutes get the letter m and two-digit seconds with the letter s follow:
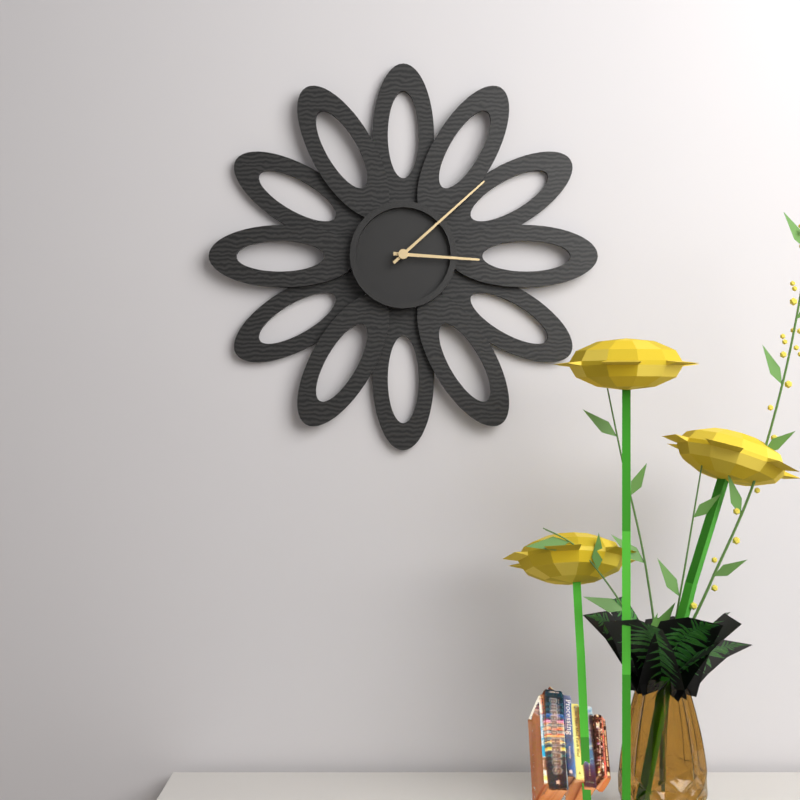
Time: 3h08
